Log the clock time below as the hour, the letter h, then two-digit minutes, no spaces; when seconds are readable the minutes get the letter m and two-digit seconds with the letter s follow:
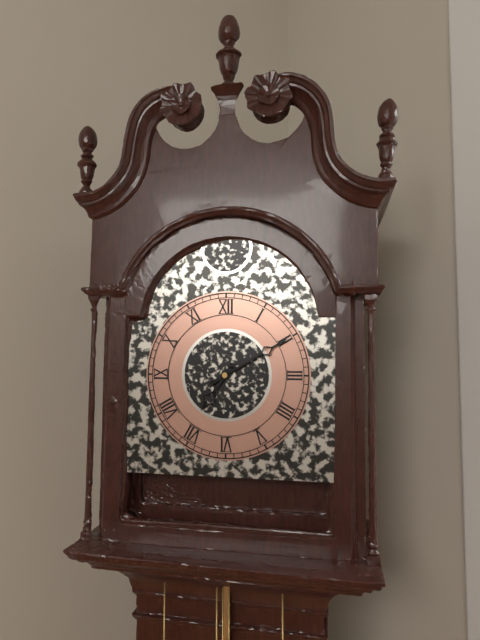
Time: 7h10
